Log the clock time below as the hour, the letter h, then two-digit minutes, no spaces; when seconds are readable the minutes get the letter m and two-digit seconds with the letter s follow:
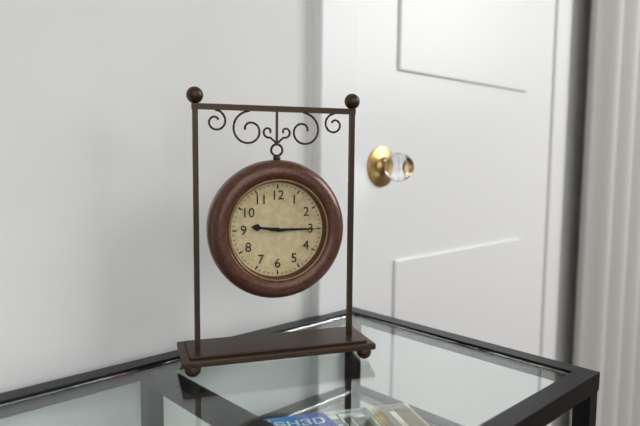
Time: 9h15
